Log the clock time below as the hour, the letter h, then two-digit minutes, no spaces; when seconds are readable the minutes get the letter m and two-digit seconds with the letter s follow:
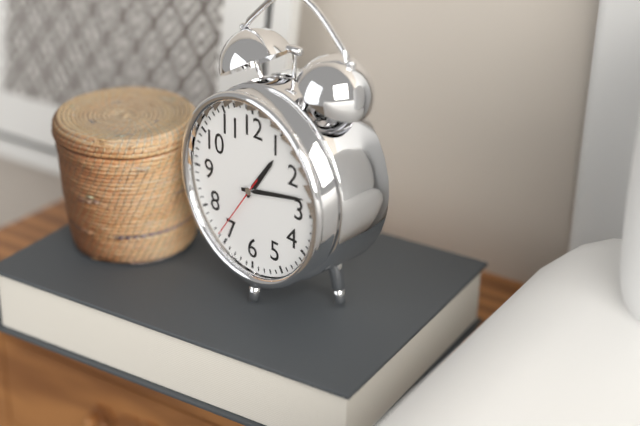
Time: 1h13m36s
